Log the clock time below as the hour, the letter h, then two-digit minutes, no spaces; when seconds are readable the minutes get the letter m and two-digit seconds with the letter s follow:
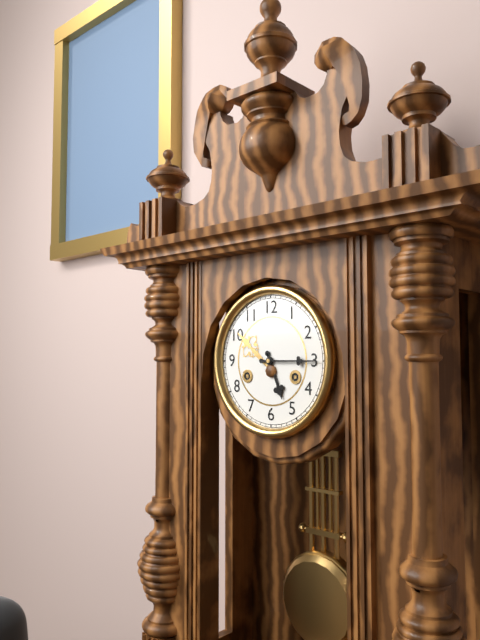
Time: 5h15
